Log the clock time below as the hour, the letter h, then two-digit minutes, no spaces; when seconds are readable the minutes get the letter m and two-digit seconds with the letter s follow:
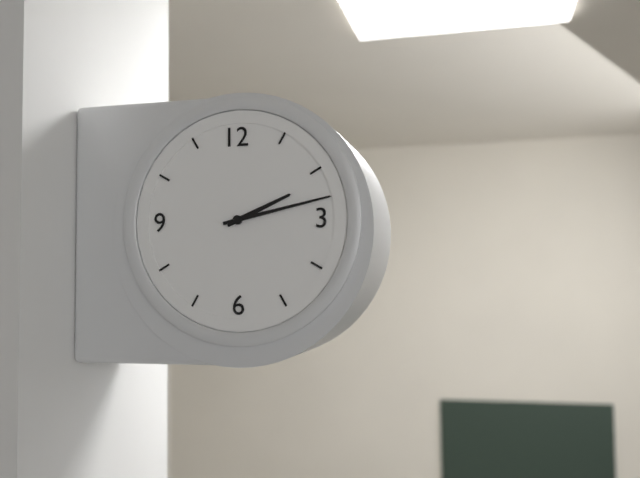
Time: 2h13
